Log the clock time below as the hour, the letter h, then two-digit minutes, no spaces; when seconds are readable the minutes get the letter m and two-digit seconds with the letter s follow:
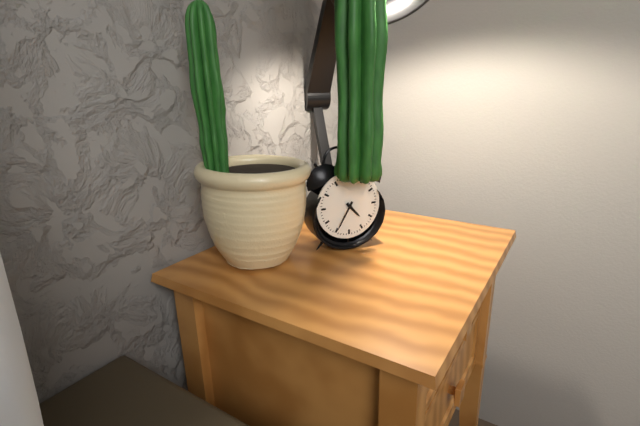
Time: 4h35
